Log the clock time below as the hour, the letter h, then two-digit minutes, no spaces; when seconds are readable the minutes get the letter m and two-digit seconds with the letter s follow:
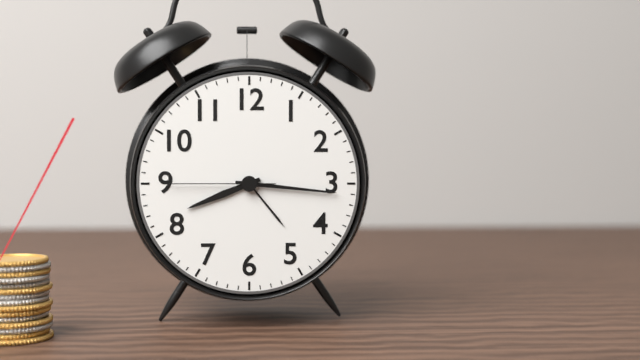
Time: 8h16m45s
